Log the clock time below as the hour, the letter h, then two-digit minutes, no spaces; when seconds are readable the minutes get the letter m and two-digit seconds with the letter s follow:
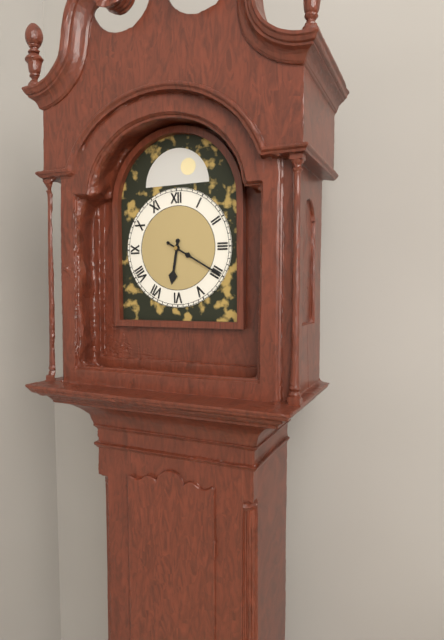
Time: 6h20
